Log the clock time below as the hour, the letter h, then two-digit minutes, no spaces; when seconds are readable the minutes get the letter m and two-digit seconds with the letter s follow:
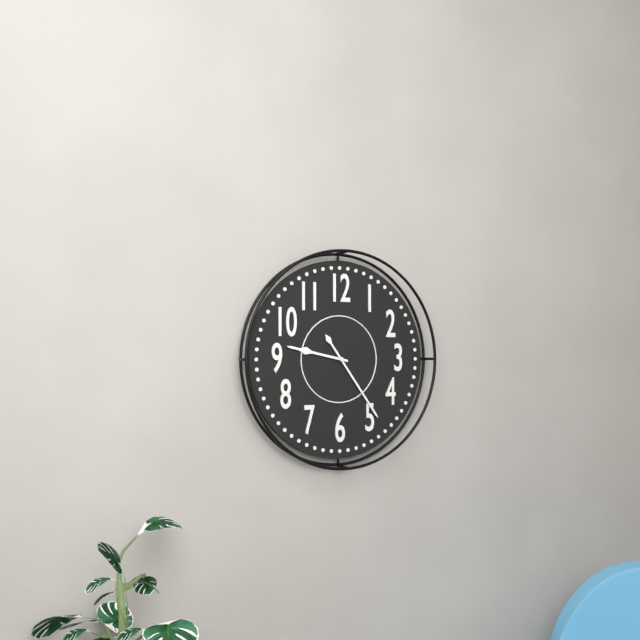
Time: 9h24
